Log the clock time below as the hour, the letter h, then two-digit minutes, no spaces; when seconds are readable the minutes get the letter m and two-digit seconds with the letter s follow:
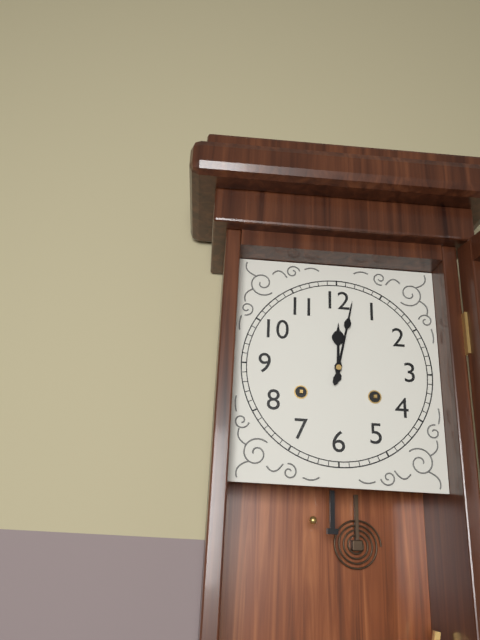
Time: 12h02
